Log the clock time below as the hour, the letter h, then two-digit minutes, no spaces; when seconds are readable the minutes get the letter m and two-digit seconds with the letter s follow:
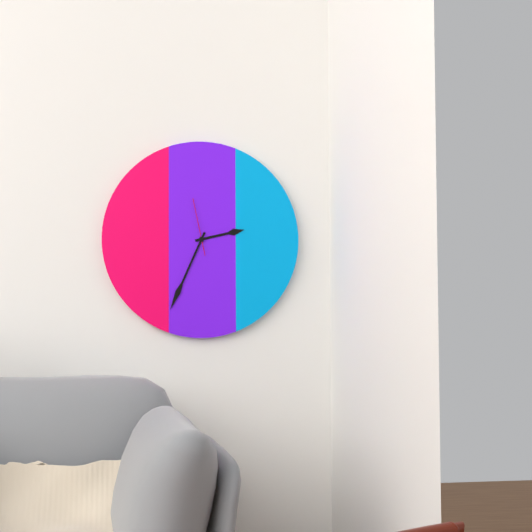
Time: 2h34m58s
